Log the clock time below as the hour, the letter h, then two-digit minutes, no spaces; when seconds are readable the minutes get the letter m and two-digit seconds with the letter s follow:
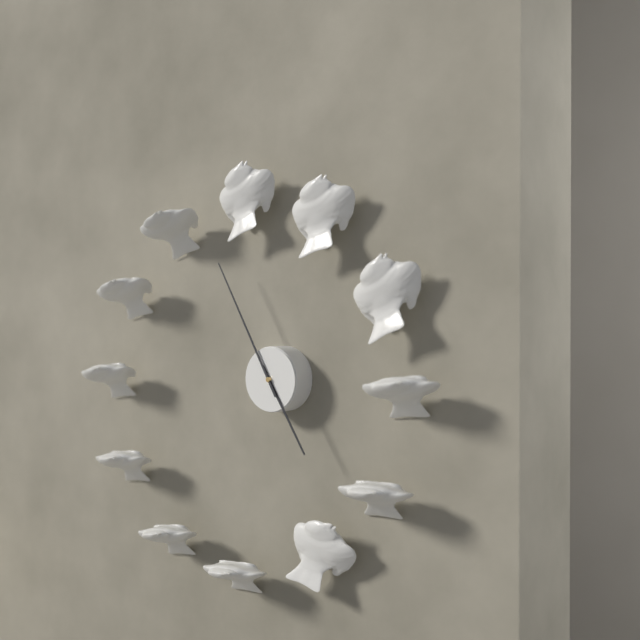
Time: 4h55
